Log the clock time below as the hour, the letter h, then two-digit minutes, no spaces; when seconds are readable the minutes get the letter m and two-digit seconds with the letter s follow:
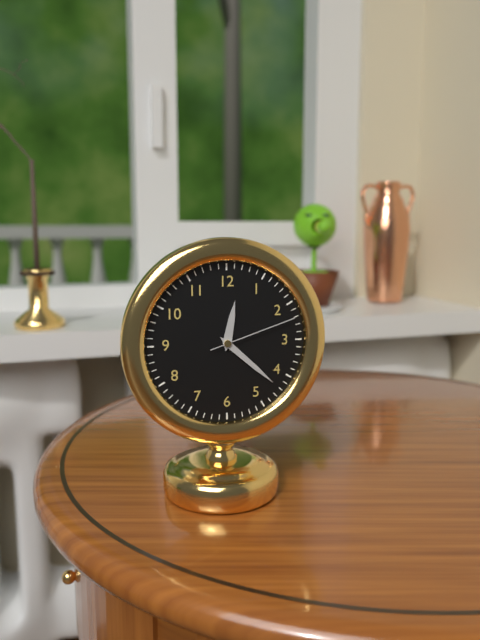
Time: 12h22m12s
